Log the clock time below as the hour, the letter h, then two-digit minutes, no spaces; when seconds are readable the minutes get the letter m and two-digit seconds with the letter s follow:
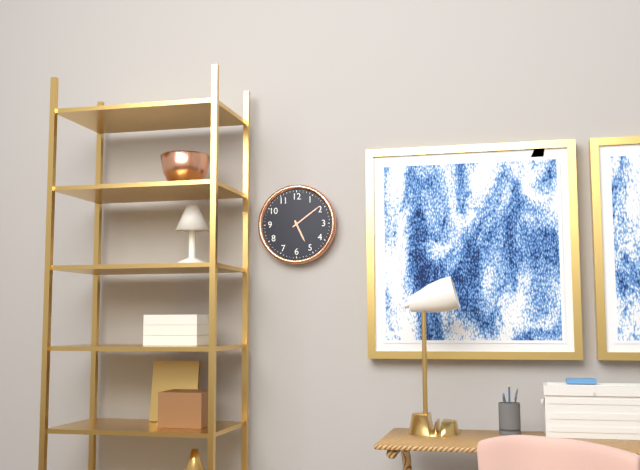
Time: 5h09
